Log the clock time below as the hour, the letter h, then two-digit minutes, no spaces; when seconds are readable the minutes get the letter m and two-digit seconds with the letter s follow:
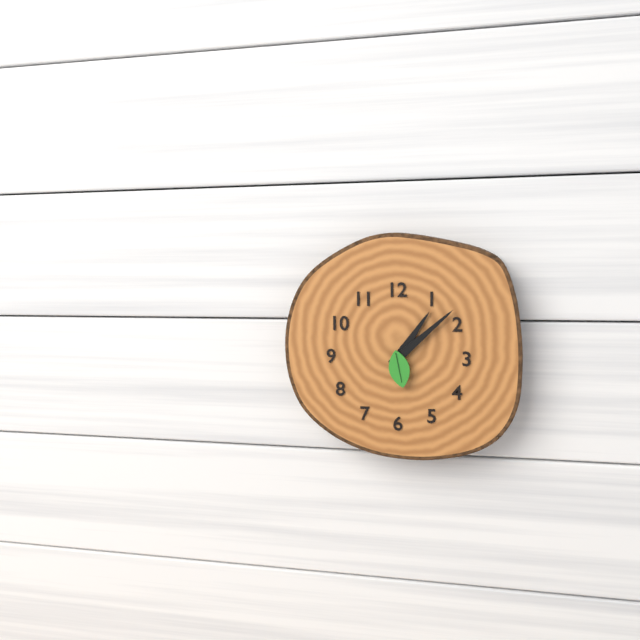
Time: 1h08
